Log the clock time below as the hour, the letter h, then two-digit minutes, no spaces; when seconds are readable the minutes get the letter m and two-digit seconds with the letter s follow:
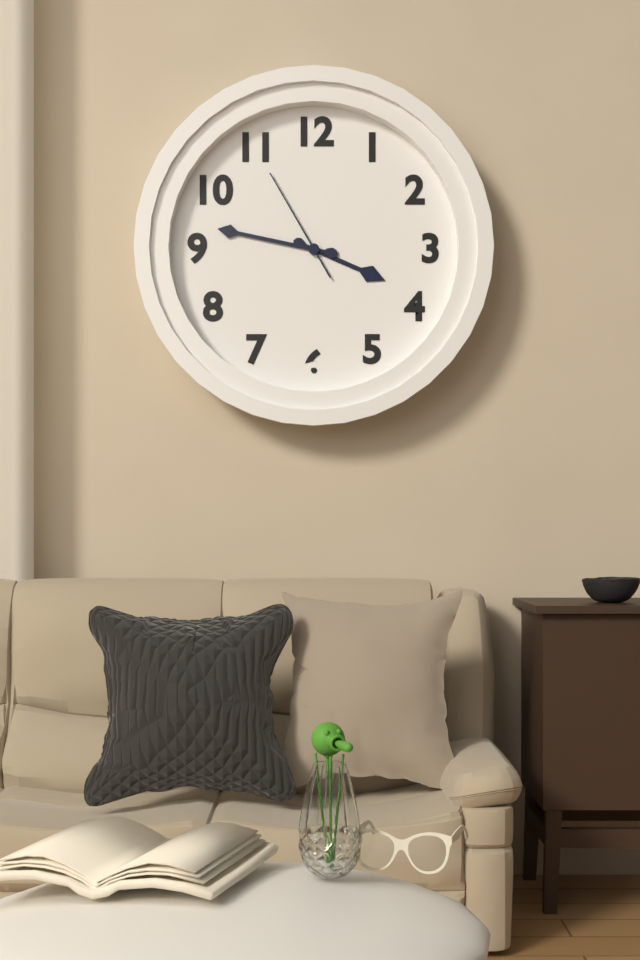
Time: 3h47m55s
